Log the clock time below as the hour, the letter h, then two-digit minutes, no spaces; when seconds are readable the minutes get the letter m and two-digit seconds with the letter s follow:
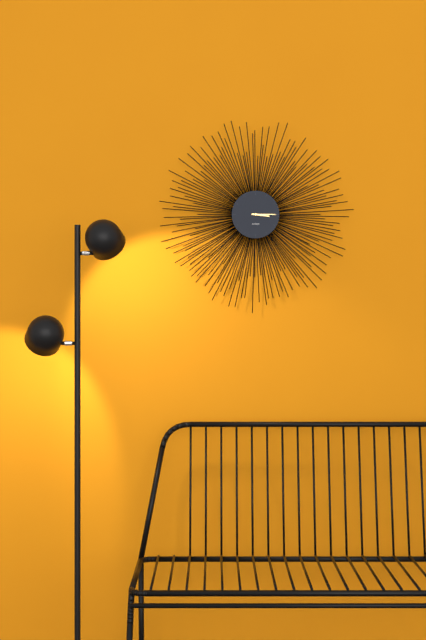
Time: 3h15
